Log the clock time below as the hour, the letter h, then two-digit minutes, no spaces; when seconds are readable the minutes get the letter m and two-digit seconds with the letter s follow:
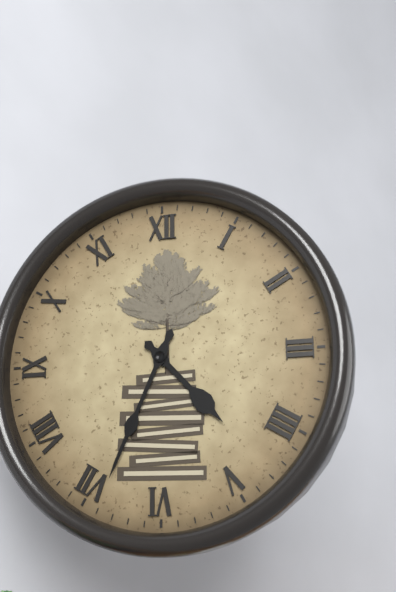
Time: 4h34
